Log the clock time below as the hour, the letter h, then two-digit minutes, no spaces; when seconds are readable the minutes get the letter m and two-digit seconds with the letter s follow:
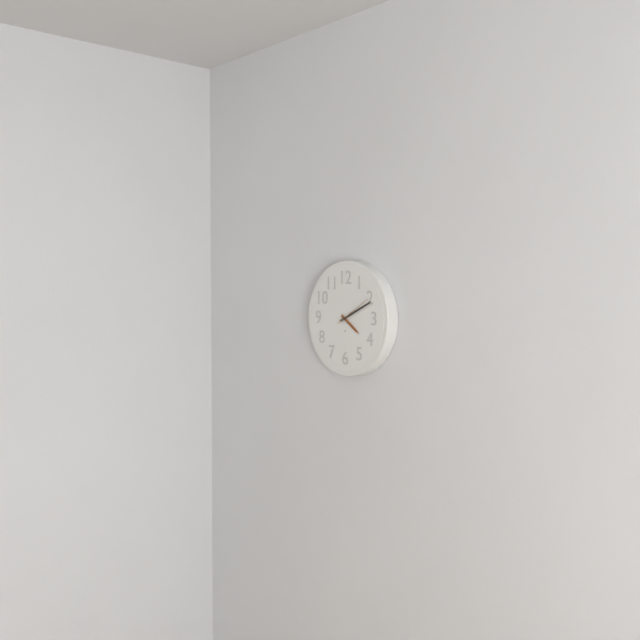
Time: 4h11
